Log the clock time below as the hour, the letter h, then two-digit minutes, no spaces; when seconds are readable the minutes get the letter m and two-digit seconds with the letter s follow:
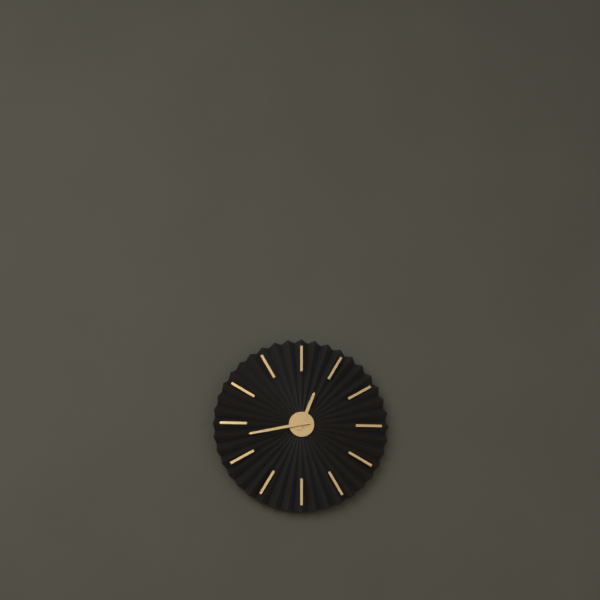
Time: 12h43
